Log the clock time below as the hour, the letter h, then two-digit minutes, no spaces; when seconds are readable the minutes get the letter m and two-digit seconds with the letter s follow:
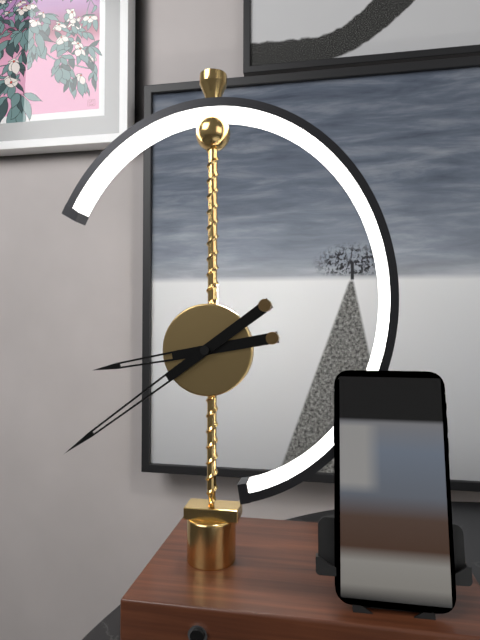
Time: 8h39
